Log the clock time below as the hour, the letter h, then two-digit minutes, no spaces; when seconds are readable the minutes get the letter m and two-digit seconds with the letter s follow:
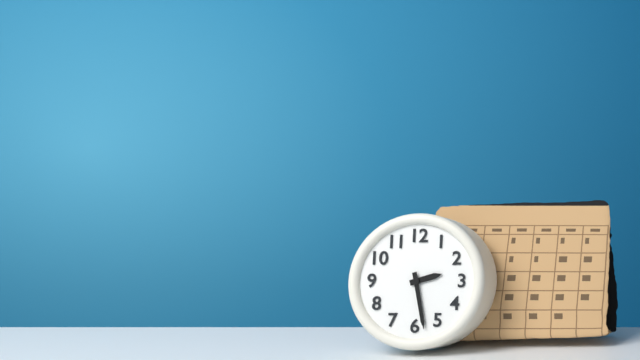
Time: 2h28
